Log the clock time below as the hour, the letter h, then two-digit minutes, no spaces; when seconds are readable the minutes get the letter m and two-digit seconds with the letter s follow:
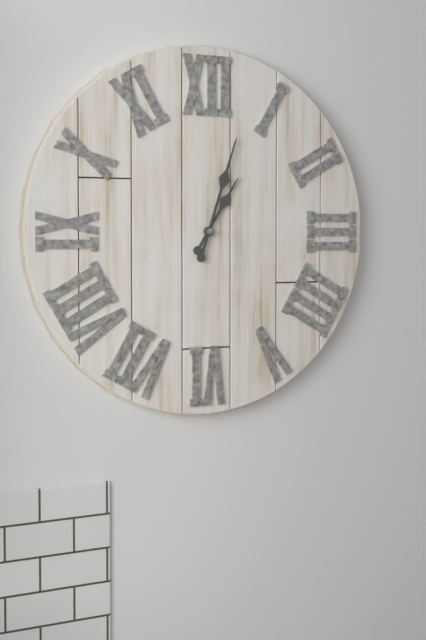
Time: 1h03
